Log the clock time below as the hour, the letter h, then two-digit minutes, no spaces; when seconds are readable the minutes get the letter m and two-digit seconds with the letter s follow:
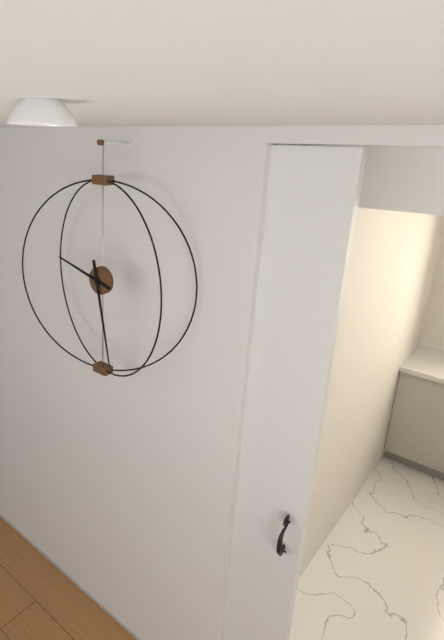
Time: 9h28
